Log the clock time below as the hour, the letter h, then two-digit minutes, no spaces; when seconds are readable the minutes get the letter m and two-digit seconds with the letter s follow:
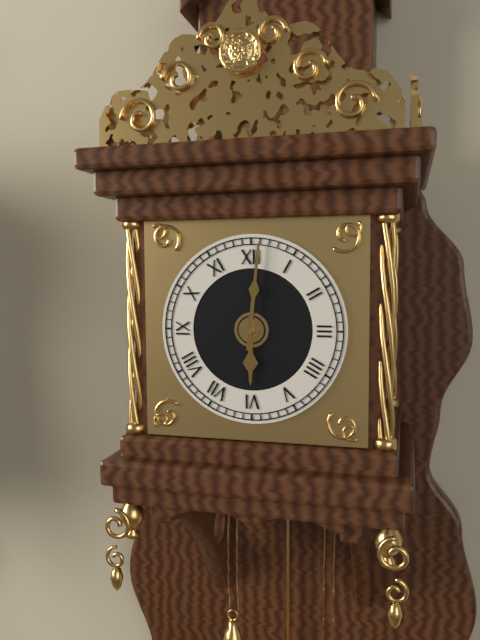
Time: 6h01
